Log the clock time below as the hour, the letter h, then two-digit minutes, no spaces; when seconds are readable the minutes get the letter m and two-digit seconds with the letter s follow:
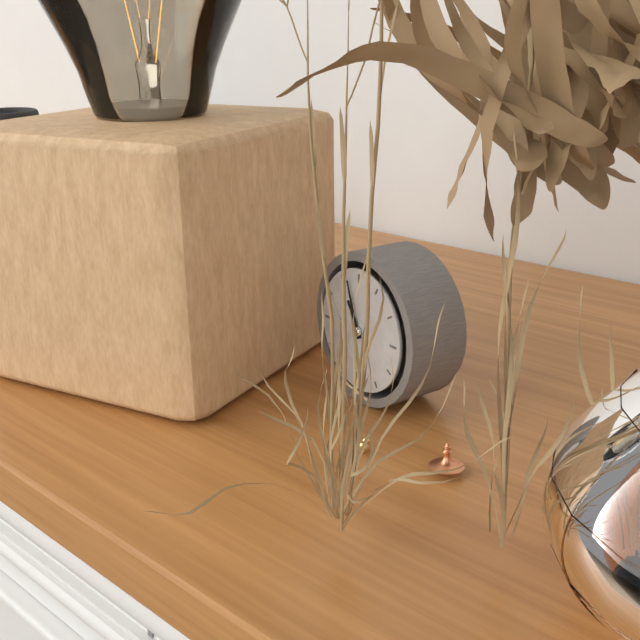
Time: 10h57
